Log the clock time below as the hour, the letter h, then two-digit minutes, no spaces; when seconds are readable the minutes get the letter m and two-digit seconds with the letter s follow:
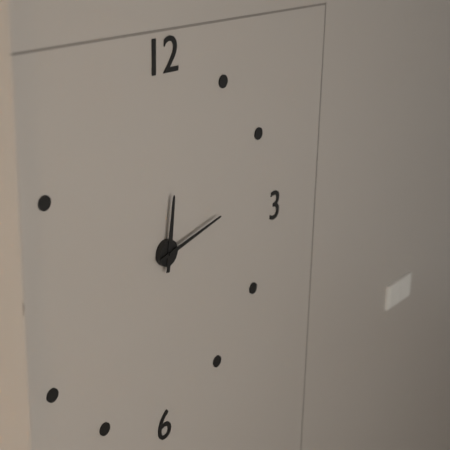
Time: 12h13
